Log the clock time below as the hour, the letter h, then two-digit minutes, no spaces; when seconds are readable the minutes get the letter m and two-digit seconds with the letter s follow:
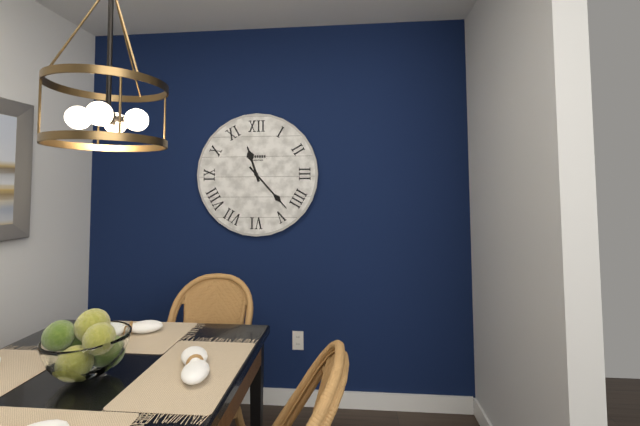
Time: 11h23
